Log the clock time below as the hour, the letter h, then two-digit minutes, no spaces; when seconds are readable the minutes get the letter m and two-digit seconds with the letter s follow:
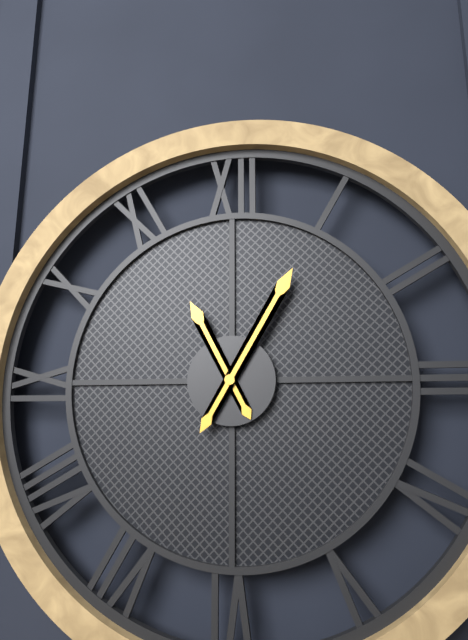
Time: 11h05
